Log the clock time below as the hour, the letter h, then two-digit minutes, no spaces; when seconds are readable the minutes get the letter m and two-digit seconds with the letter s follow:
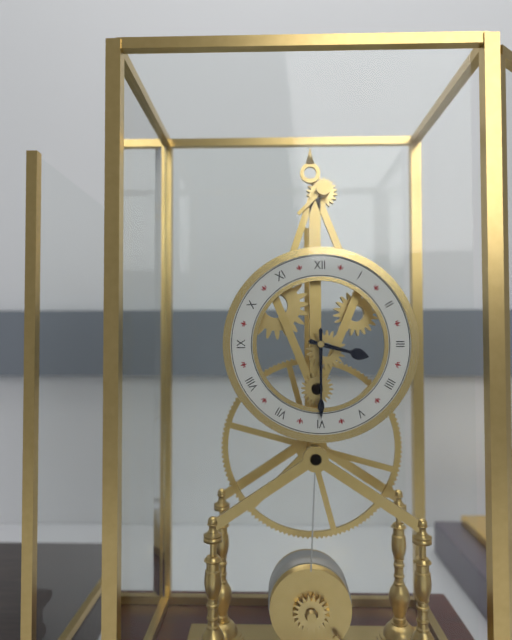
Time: 3h30
